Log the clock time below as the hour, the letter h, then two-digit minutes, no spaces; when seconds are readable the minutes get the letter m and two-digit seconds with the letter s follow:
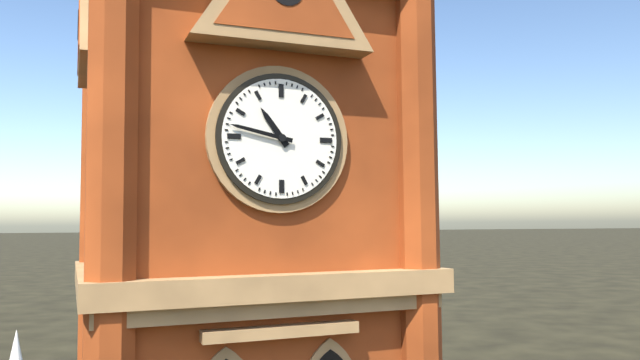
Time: 10h47
